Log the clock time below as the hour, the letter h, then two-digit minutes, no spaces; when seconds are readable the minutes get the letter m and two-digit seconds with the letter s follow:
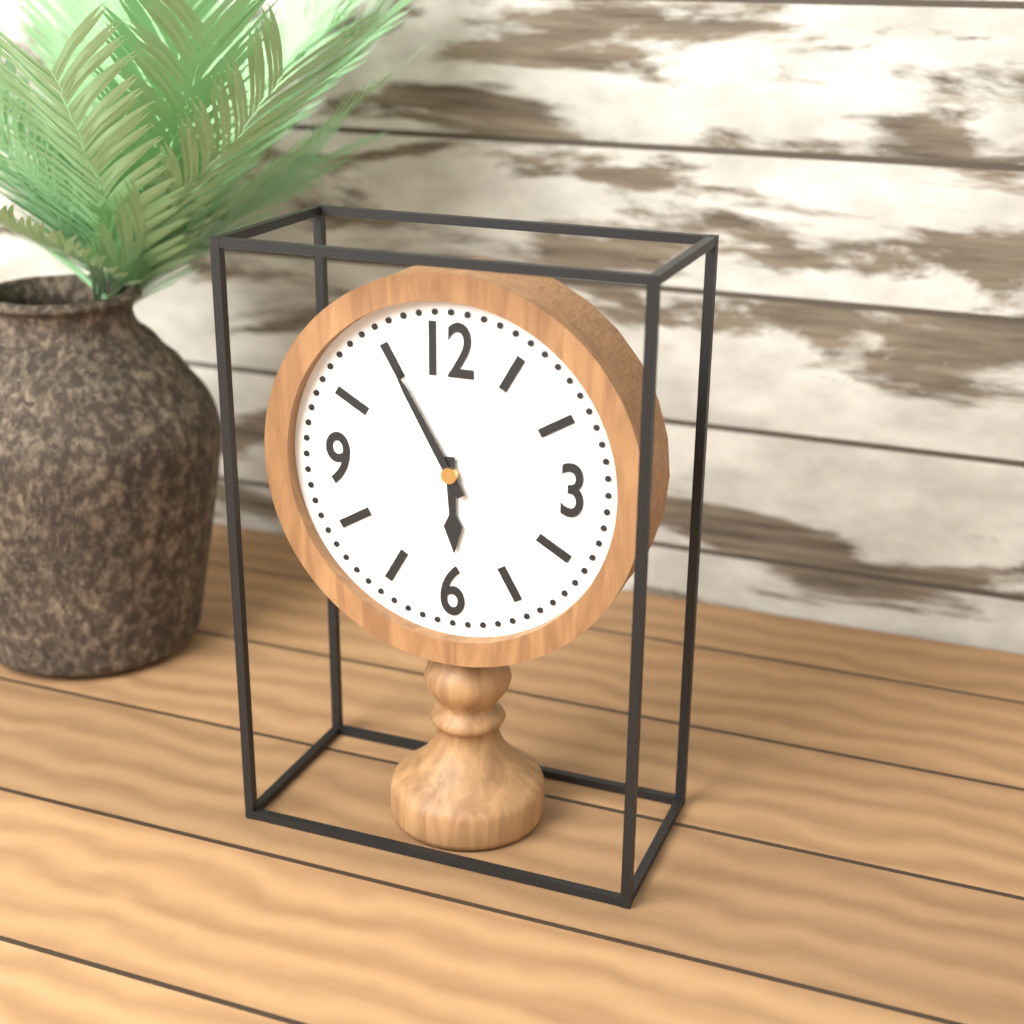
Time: 5h55
